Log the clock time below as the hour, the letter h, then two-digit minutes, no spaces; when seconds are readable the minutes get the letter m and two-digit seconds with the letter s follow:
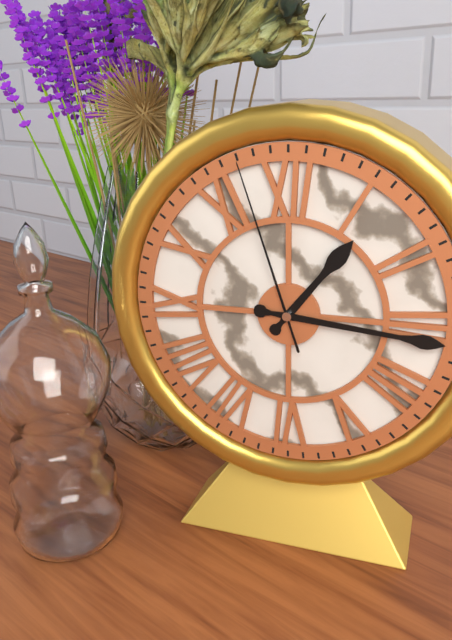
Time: 1h16m57s
